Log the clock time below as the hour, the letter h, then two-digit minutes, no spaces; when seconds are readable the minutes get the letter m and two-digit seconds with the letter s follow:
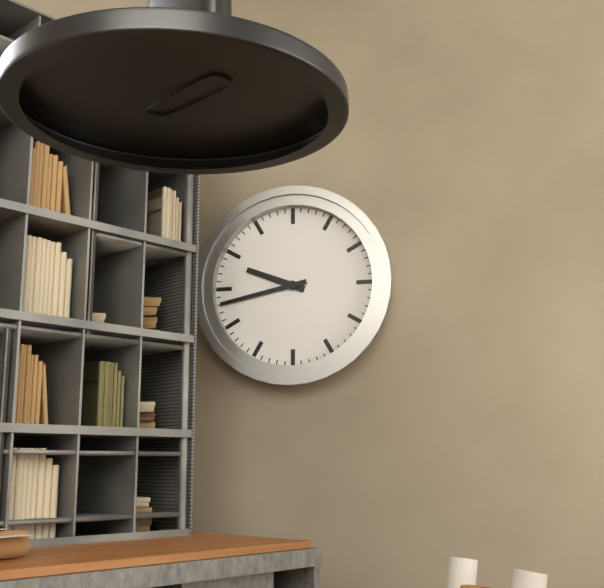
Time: 9h43
